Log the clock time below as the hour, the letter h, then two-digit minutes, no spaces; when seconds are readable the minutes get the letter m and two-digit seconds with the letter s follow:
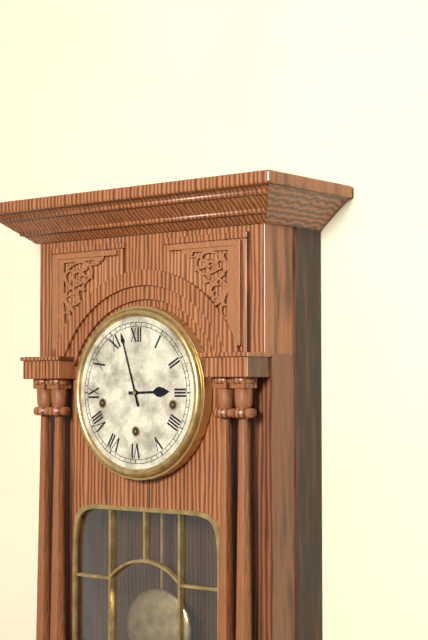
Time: 2h57
